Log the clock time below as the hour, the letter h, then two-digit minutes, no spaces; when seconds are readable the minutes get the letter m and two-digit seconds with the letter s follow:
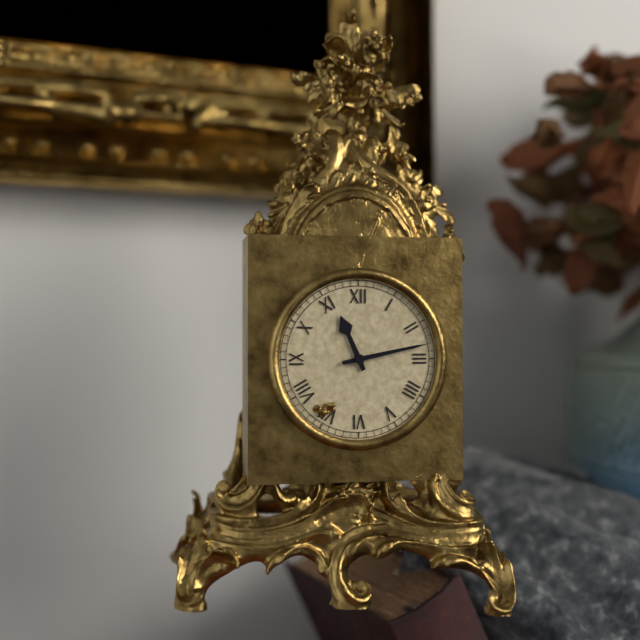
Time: 11h13
